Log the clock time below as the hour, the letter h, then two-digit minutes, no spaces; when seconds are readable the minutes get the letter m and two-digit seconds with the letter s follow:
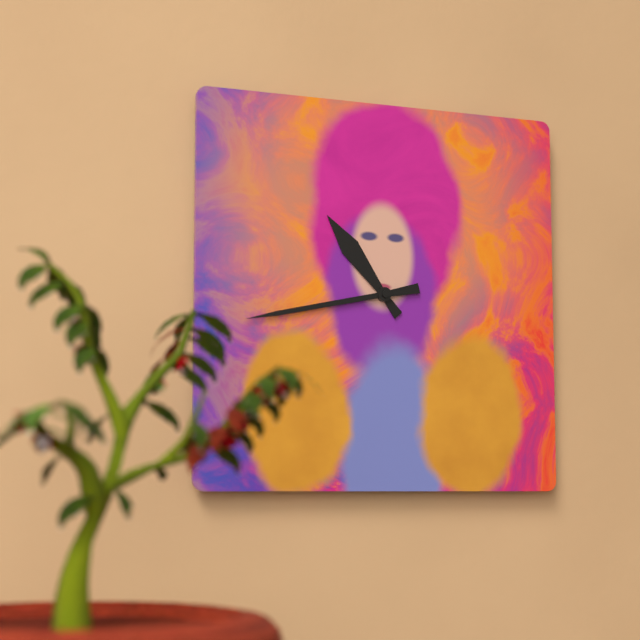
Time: 10h43
